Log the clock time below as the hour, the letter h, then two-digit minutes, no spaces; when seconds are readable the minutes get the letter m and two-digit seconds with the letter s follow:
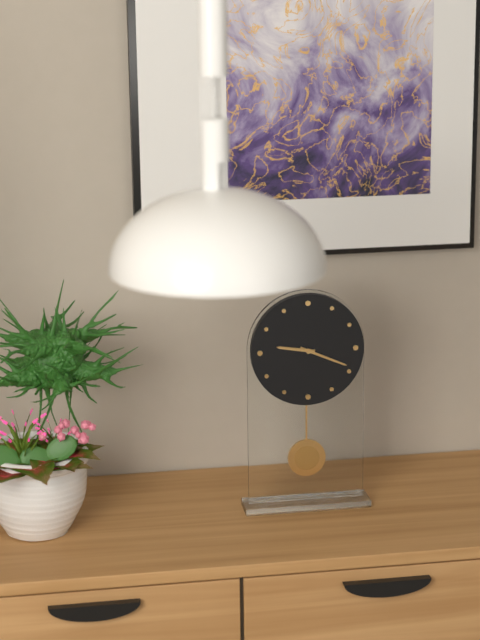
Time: 9h19
